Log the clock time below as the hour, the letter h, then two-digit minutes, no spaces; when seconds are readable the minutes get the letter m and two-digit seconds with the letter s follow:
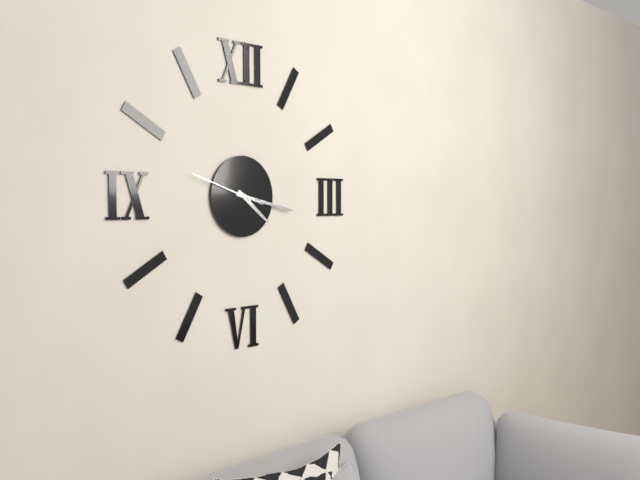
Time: 4h17m48s
